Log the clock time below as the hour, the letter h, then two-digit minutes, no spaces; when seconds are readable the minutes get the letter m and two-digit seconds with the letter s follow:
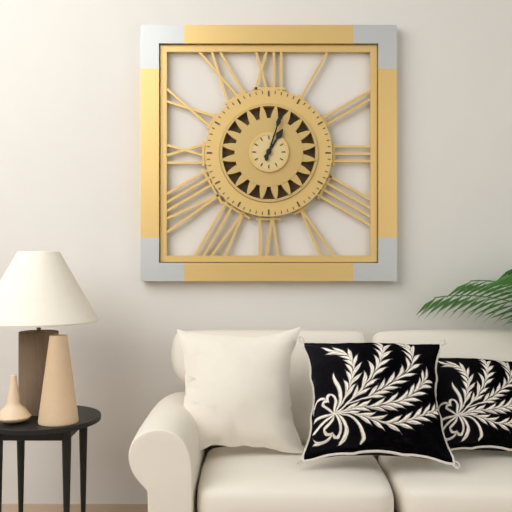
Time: 1h03
